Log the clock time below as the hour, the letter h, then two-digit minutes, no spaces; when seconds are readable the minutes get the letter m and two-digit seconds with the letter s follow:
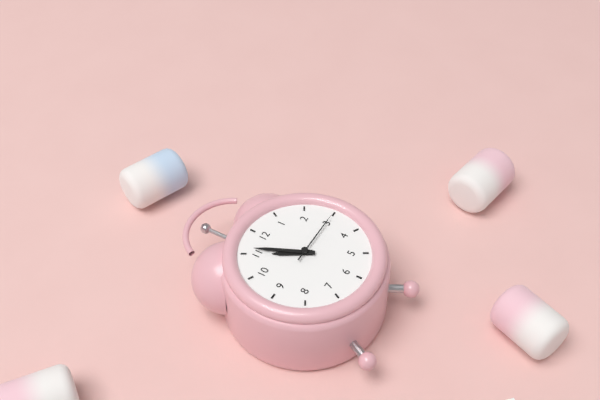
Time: 10h56m15s
